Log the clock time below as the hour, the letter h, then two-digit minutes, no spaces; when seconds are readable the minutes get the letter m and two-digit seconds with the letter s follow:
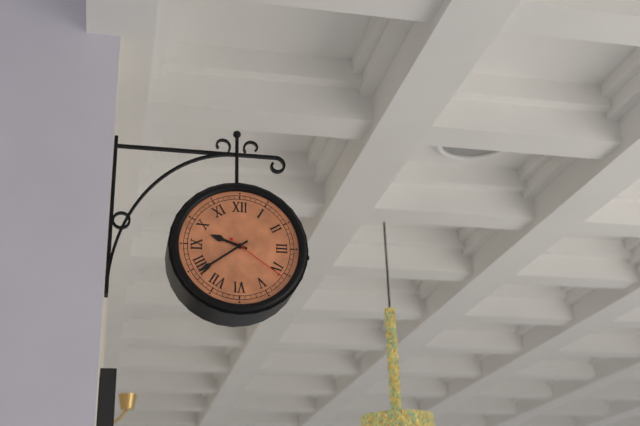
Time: 9h39m21s
